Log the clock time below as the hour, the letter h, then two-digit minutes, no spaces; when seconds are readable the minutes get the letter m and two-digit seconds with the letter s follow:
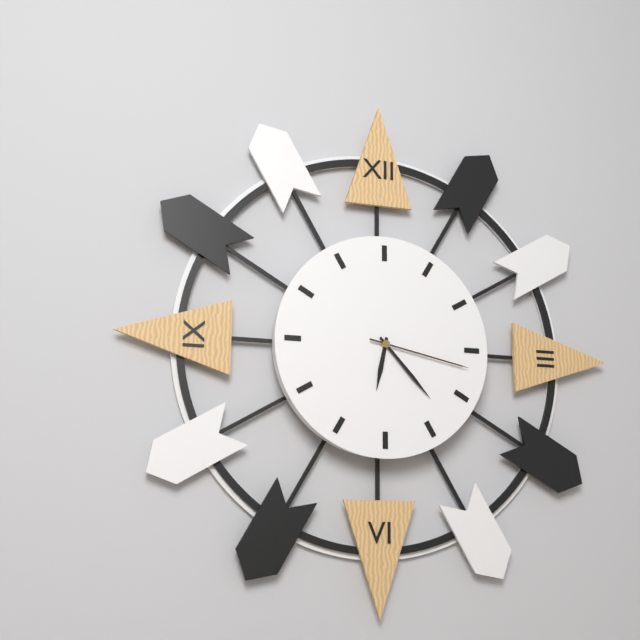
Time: 6h23m17s
